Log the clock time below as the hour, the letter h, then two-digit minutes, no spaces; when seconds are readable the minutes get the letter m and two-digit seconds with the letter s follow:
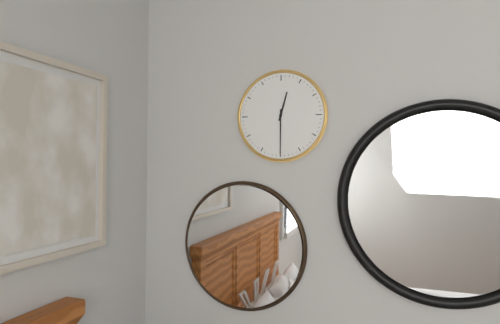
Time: 12h30
